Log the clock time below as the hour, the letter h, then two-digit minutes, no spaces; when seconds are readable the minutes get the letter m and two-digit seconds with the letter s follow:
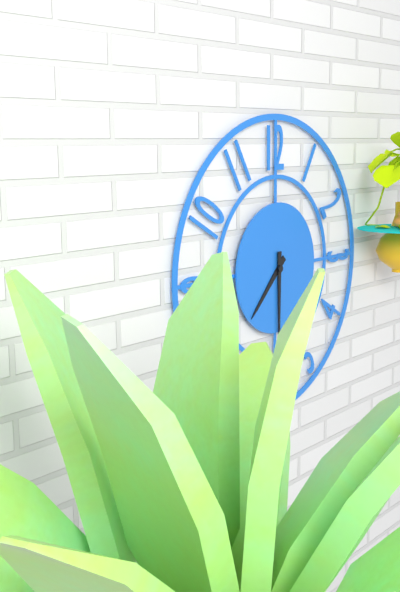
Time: 7h30
